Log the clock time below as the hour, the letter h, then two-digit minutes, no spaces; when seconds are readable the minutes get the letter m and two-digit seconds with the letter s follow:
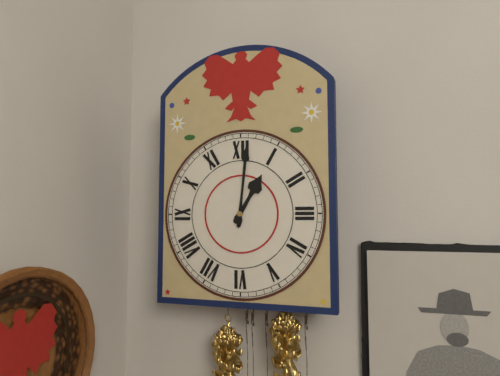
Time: 1h01
